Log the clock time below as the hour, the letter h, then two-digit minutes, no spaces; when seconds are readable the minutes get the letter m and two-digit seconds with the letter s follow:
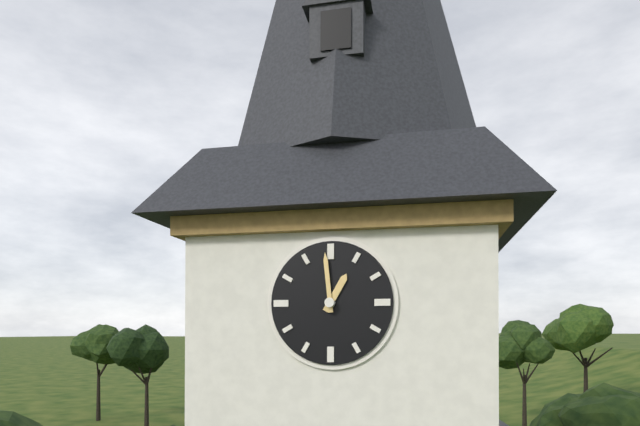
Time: 12h59
